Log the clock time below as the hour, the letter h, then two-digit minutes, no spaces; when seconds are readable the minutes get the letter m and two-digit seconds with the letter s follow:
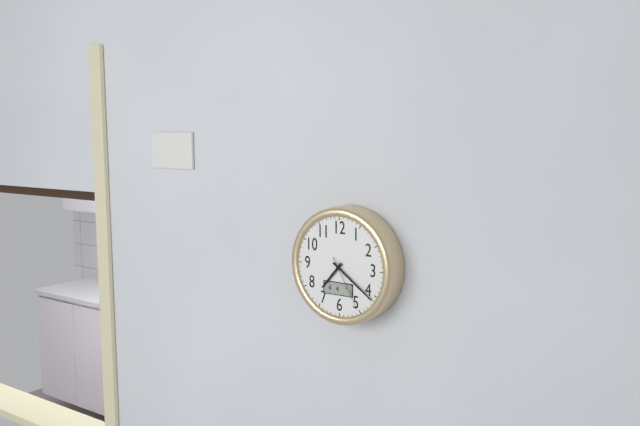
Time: 7h21m25s
